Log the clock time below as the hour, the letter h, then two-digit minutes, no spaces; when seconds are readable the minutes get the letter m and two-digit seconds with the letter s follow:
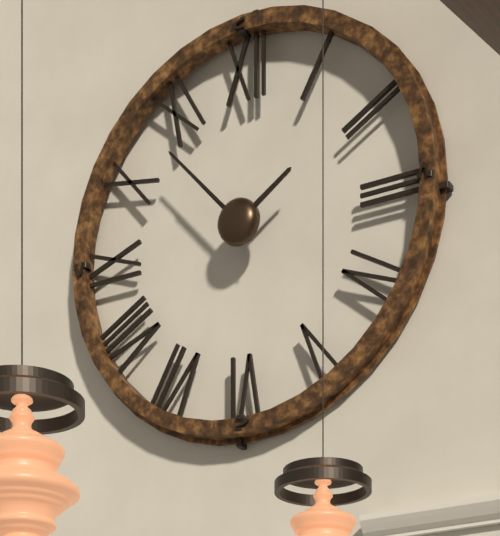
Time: 1h53m53s
